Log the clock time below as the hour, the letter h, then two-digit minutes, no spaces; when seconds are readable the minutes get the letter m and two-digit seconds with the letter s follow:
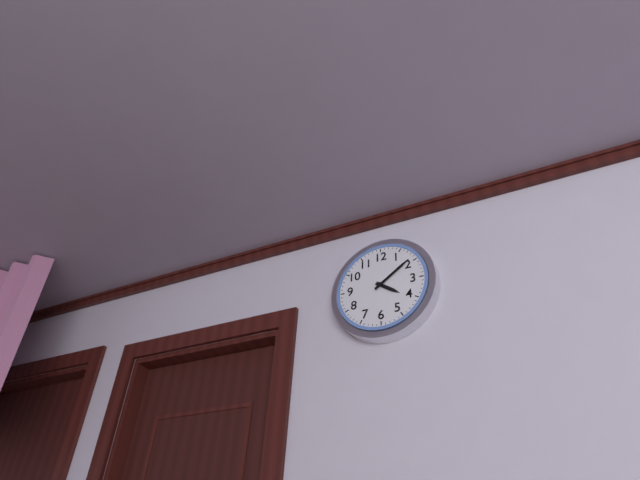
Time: 4h09
